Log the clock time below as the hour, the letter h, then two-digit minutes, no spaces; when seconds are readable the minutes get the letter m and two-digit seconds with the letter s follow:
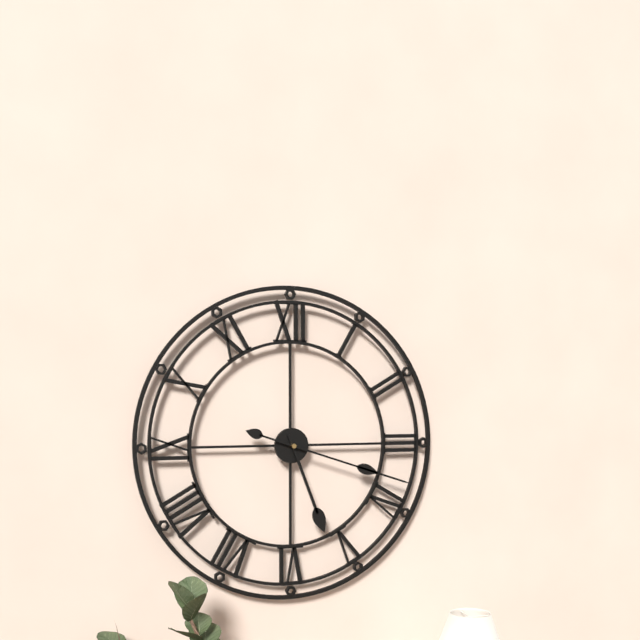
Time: 5h18
